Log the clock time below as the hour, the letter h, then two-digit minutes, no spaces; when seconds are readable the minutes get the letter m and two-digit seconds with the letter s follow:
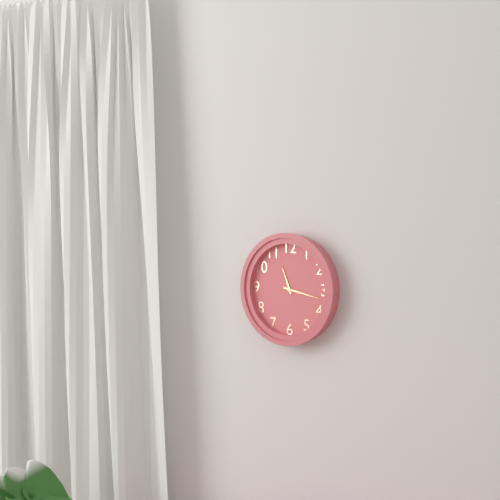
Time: 11h17
